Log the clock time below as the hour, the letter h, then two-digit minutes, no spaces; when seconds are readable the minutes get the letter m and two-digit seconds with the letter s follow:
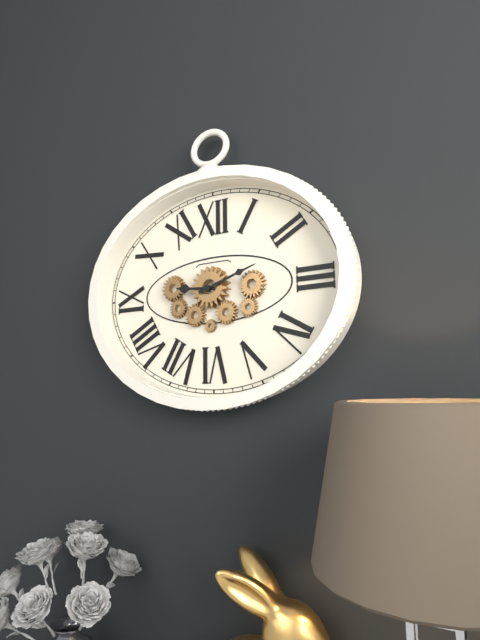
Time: 9h12
